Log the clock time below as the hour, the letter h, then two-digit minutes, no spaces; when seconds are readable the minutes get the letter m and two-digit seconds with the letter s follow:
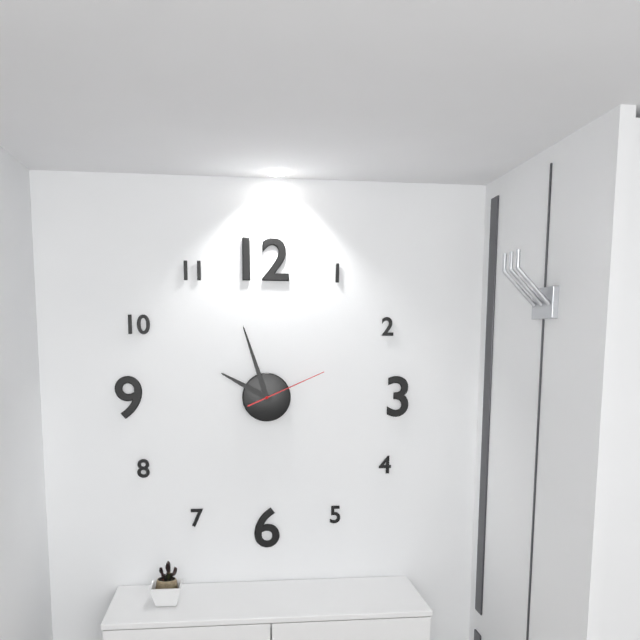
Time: 9h57m11s
